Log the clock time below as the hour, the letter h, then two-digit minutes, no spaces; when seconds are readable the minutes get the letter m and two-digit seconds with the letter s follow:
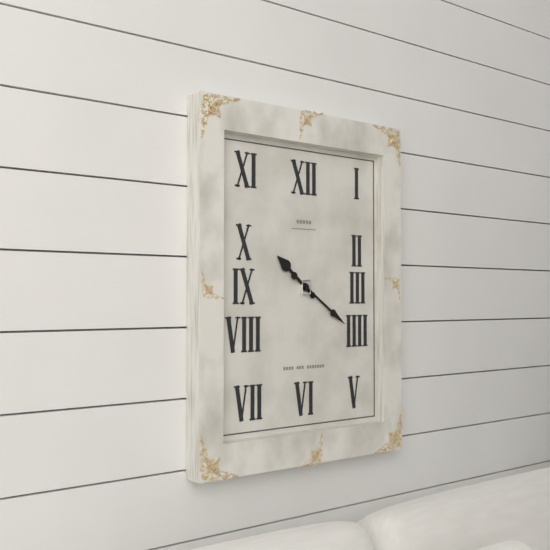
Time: 10h21
